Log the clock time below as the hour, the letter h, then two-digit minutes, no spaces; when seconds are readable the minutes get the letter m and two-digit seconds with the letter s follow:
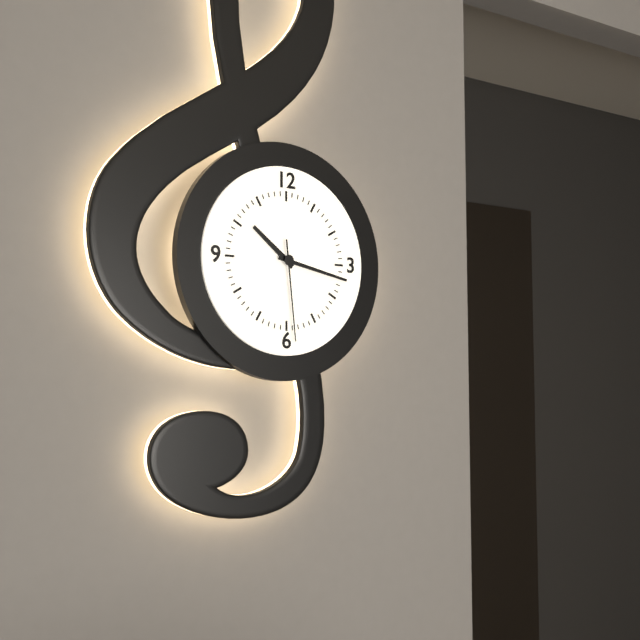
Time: 10h17m29s
